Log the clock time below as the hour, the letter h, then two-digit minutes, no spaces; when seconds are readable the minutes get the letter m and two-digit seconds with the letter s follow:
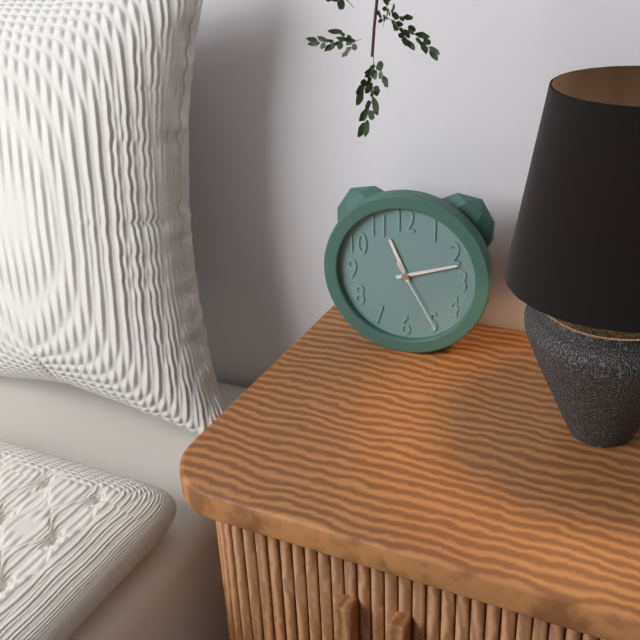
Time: 11h12m25s
